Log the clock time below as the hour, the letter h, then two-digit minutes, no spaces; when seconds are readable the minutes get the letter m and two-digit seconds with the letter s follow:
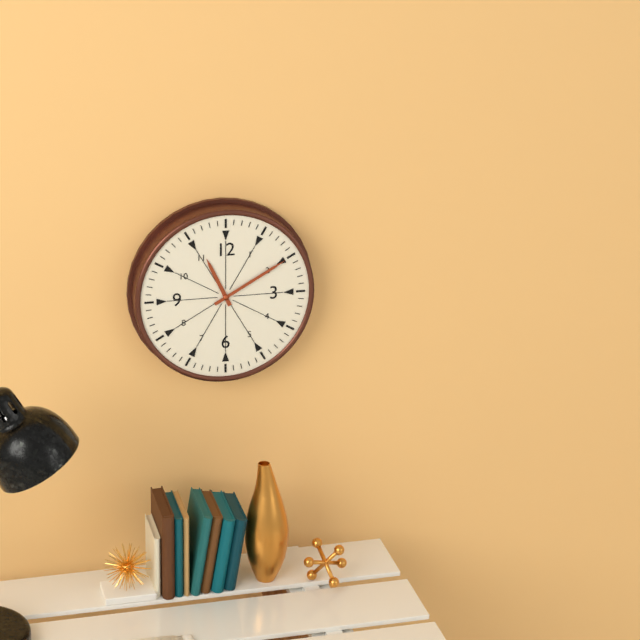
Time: 11h10
